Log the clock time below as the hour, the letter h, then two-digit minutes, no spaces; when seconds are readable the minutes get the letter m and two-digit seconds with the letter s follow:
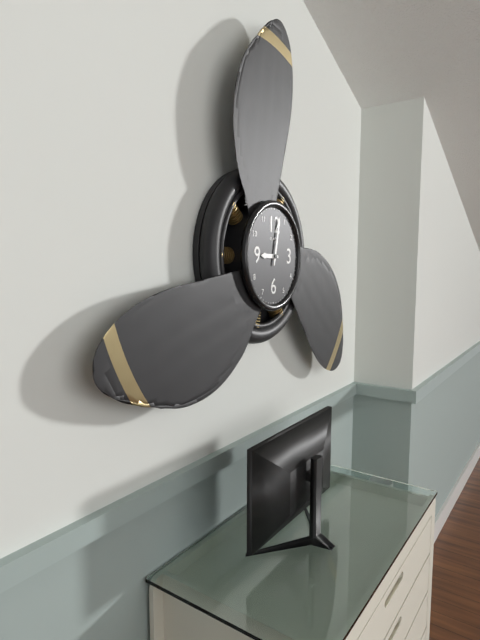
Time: 9h02
